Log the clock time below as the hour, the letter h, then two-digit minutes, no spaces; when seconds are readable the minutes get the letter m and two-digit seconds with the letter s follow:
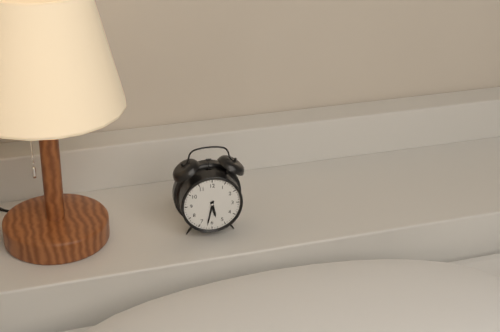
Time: 5h32
